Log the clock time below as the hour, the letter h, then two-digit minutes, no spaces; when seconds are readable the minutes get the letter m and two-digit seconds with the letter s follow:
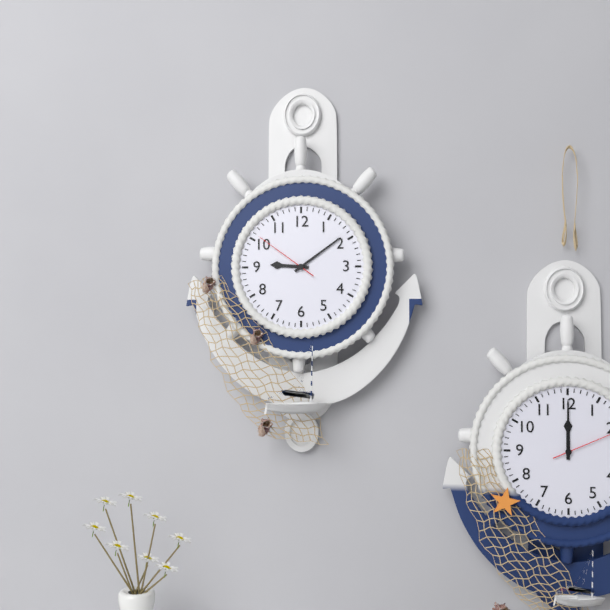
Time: 9h09m51s
